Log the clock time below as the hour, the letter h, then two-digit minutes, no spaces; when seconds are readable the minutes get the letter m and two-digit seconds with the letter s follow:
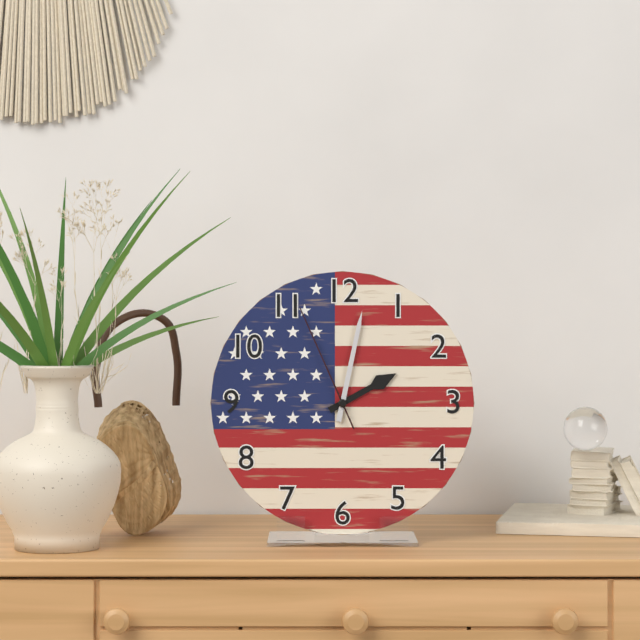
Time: 2h02m56s
